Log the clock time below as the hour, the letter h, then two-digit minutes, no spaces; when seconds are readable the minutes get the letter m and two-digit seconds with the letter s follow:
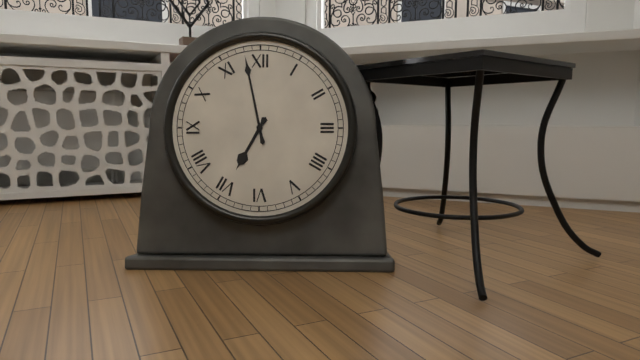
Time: 6h58
